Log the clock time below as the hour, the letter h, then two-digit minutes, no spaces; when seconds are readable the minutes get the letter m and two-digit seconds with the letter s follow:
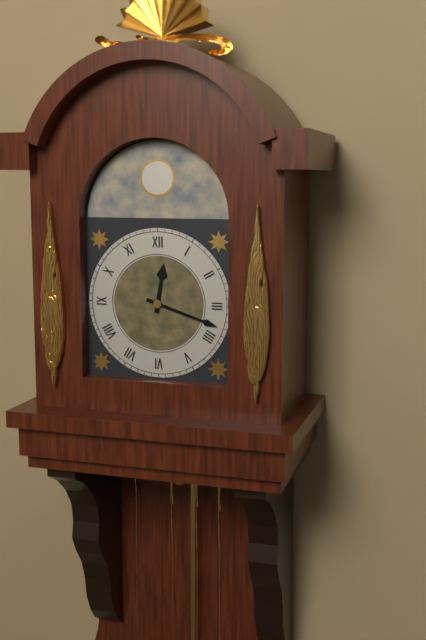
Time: 12h18
